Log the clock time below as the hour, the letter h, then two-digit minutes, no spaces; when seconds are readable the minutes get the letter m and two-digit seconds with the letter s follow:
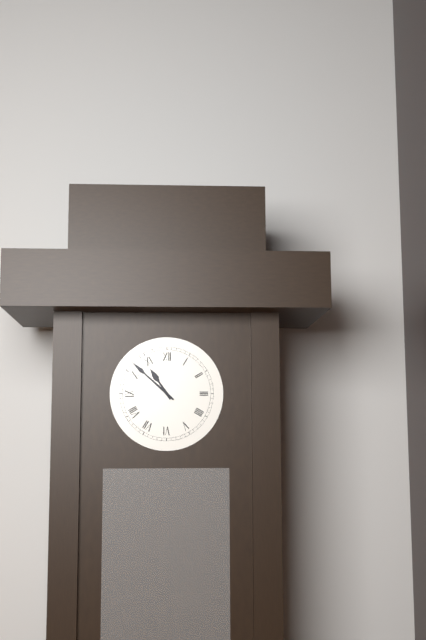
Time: 10h52
